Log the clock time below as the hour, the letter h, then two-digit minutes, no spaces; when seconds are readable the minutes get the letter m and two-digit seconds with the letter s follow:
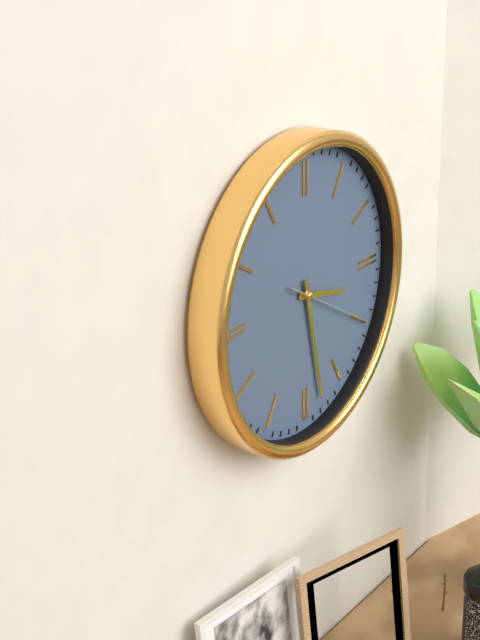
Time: 3h28m20s
